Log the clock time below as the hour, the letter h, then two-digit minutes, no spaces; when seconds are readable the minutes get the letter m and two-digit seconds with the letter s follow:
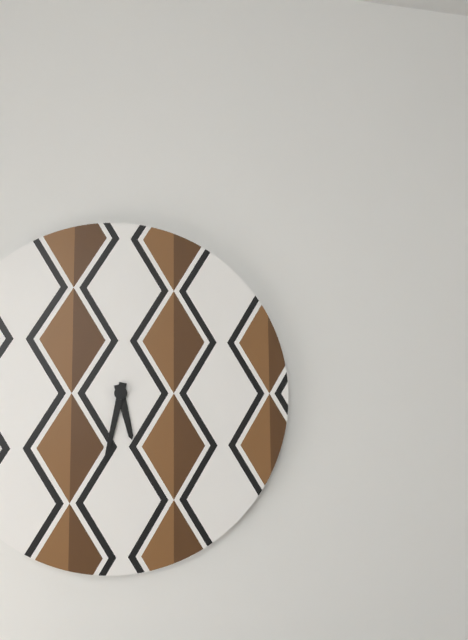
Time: 5h32
